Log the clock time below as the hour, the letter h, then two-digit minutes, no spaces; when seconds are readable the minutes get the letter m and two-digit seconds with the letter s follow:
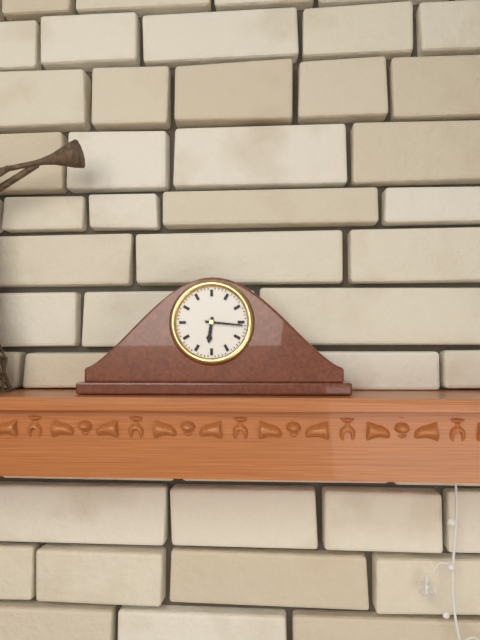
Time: 6h16
